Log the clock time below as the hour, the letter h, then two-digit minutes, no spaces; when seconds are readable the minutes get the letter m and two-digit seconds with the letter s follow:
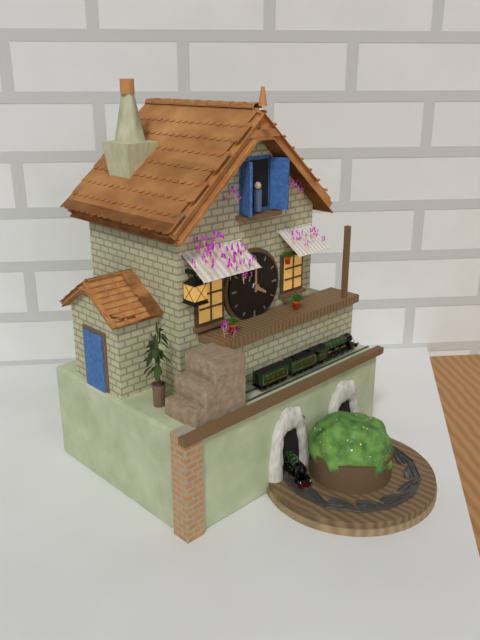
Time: 4h00
